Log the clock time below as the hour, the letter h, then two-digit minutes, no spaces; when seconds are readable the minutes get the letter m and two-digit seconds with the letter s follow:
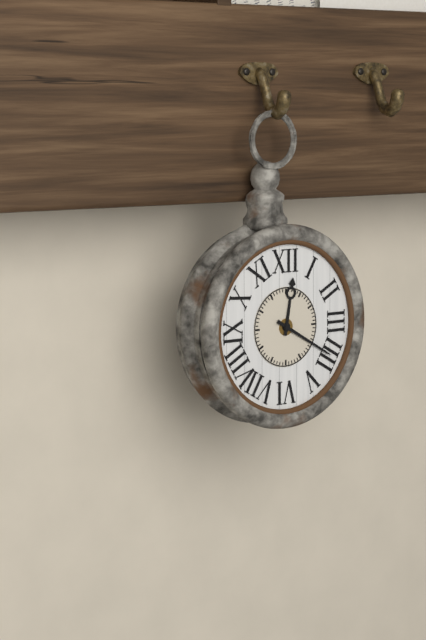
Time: 12h20
